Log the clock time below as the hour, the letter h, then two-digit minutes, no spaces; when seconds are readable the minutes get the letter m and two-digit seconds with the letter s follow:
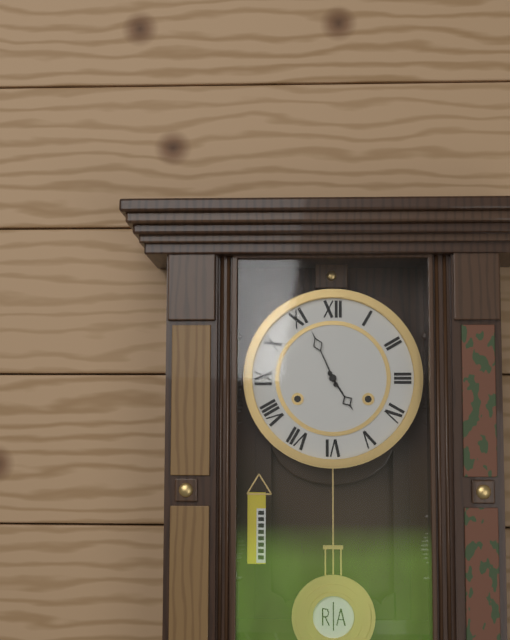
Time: 4h56
